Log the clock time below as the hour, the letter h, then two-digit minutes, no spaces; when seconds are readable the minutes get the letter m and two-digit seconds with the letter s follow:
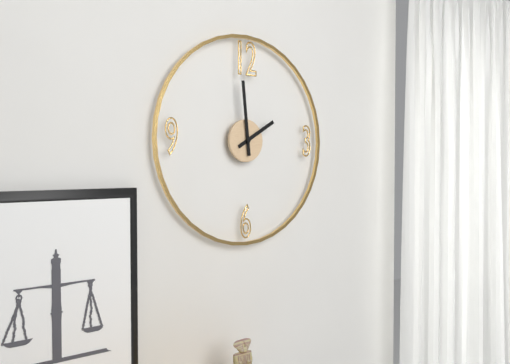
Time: 1h59
